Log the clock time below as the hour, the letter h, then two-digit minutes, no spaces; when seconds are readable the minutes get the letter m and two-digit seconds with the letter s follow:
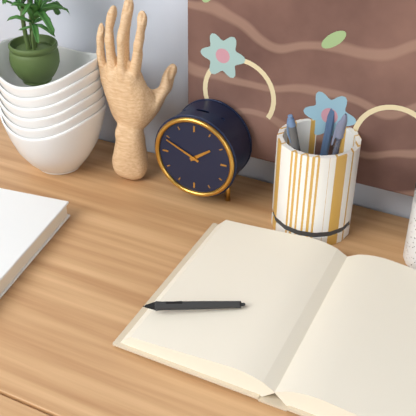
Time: 1h49
